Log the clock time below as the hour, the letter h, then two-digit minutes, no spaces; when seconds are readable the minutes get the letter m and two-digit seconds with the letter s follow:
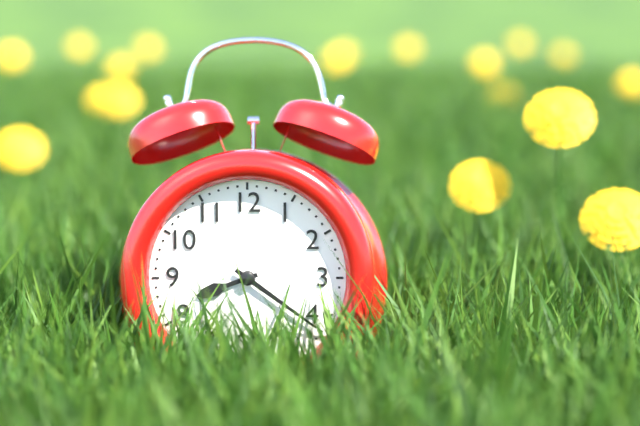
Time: 8h21
